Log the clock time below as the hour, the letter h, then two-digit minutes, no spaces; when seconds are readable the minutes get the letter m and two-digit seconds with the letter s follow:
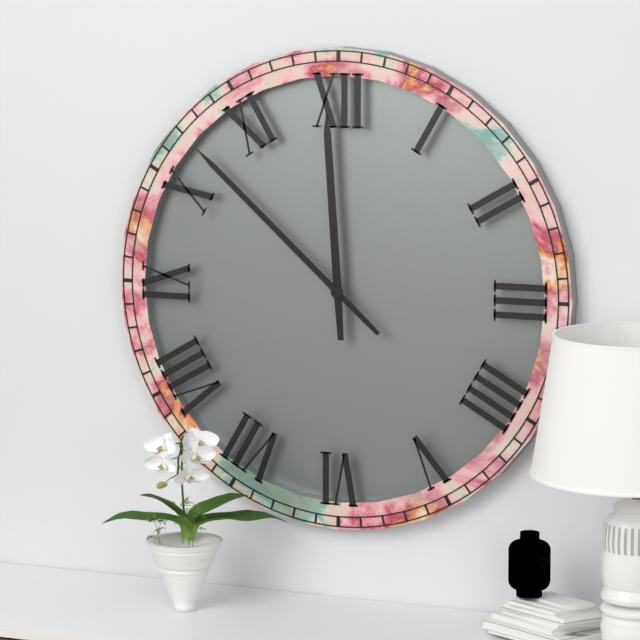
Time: 11h52
